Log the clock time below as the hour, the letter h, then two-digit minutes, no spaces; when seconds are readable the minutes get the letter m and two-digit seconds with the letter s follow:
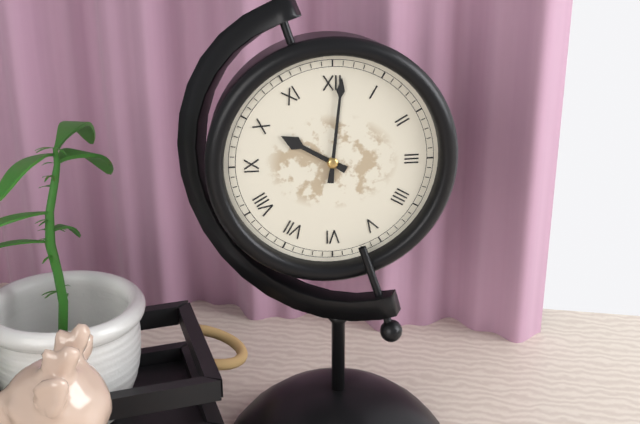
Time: 10h01
